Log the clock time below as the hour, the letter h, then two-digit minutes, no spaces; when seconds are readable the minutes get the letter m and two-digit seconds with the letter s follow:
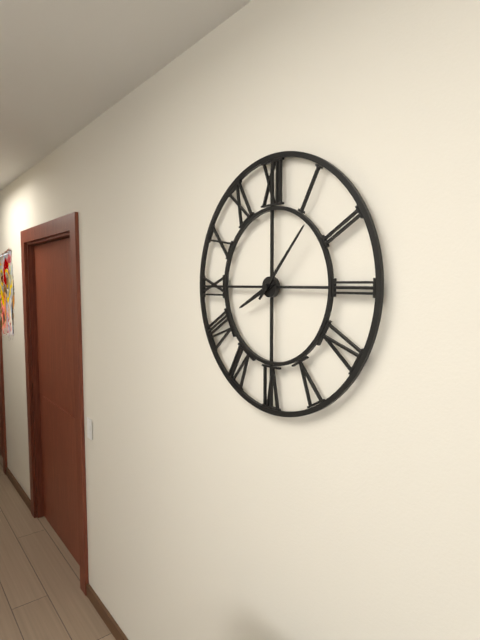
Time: 8h07
